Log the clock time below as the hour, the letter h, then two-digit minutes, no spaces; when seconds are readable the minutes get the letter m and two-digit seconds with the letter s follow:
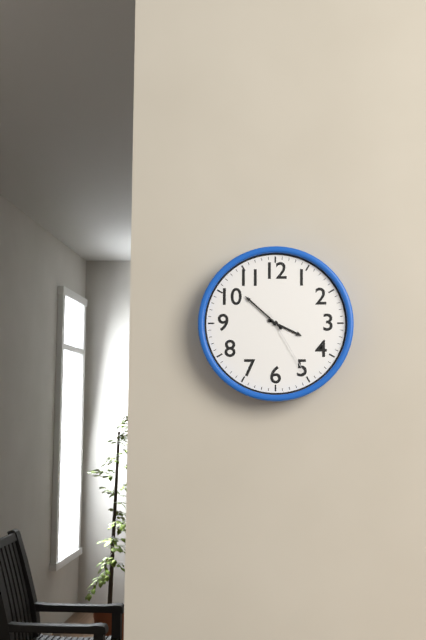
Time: 3h52m25s
